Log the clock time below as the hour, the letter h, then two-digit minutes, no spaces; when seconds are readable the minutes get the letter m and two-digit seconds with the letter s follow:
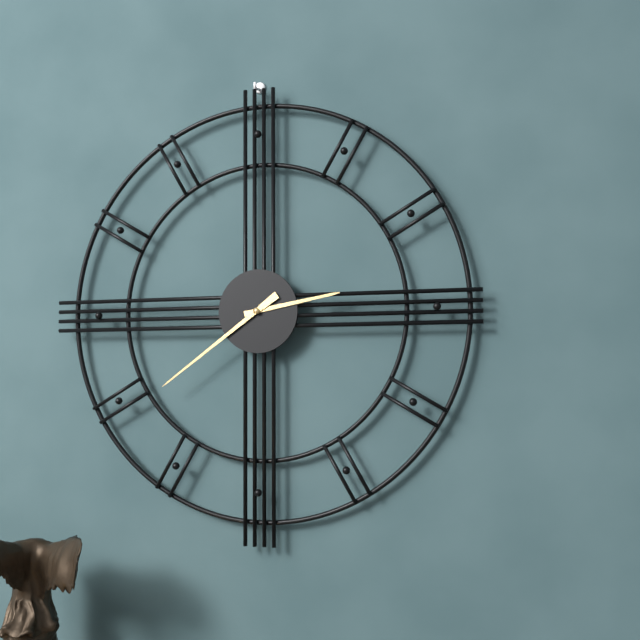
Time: 2h39
